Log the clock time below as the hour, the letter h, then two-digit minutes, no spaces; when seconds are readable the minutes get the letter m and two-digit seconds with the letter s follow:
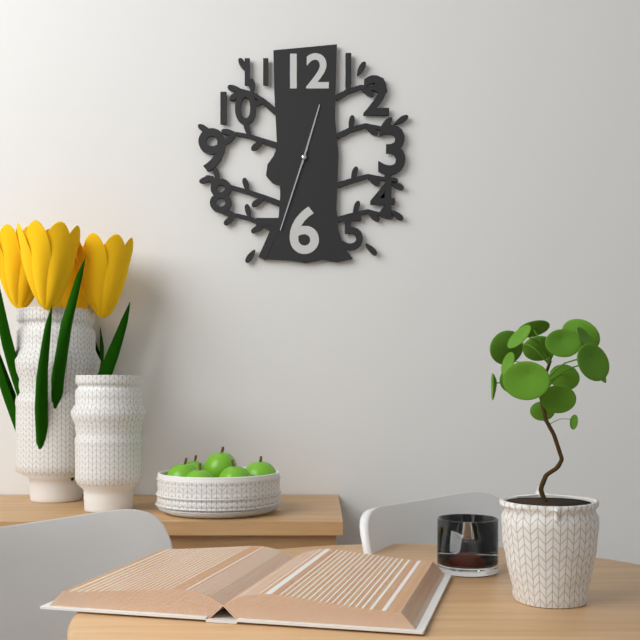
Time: 12h33
